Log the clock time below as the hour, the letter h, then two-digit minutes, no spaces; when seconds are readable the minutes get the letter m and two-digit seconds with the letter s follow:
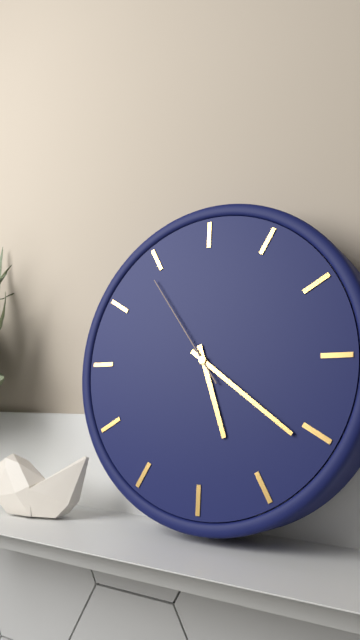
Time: 5h21m54s
